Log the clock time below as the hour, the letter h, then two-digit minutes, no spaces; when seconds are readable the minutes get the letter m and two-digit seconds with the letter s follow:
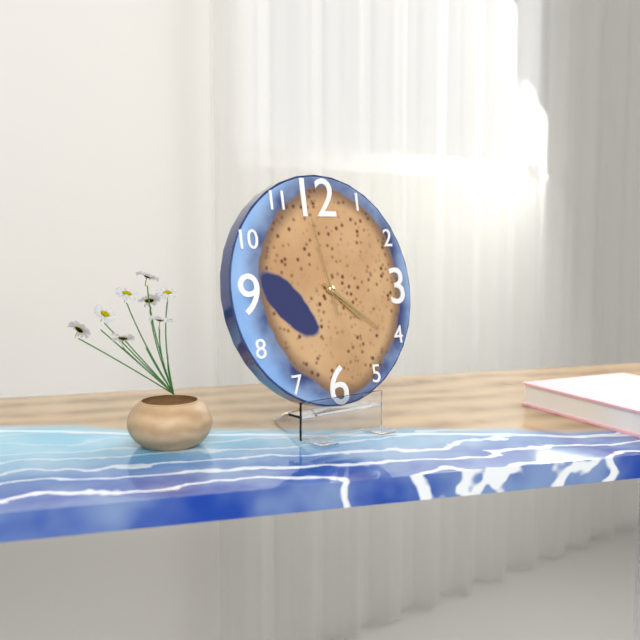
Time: 4h21m58s
